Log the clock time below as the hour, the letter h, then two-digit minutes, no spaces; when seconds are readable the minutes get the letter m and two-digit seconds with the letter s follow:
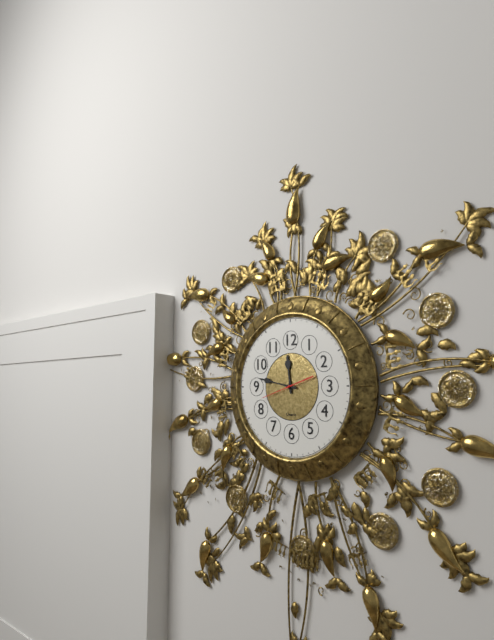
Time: 11h47m42s
